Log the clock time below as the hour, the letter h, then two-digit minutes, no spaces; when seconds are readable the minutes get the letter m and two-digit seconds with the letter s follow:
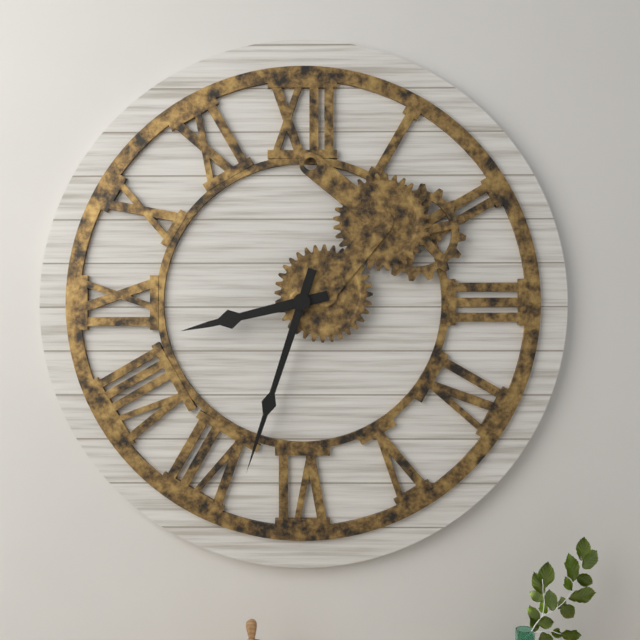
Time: 8h33
